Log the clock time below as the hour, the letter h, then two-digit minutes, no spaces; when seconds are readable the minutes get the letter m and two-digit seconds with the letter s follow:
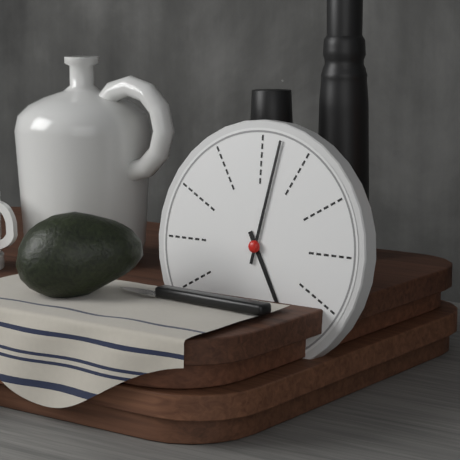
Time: 5h02
